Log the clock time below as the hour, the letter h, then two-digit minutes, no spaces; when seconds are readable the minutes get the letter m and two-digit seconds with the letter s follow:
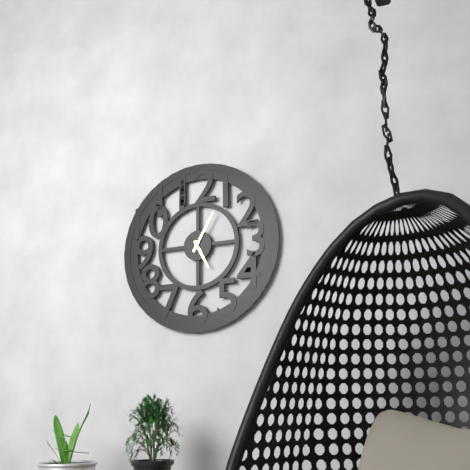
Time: 5h05
